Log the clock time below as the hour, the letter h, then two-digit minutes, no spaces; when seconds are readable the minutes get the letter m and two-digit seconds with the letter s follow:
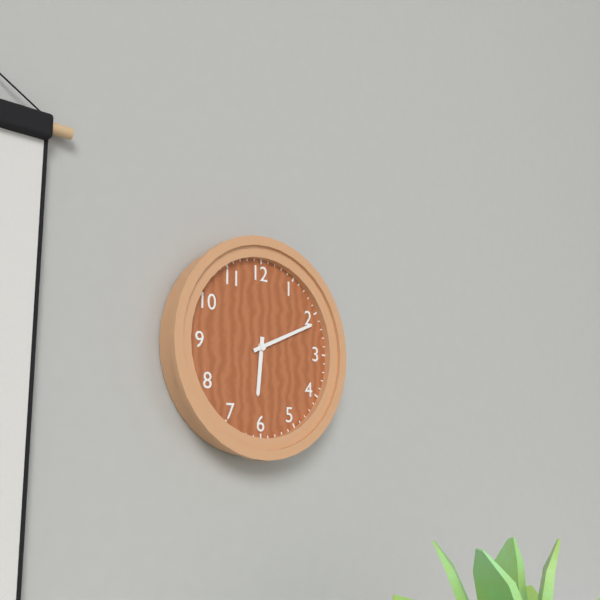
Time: 6h11
